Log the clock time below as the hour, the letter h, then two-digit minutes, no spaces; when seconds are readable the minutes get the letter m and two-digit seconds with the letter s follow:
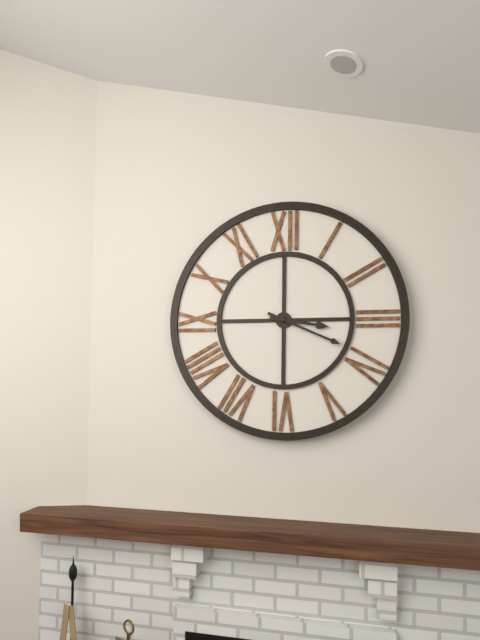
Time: 3h19
